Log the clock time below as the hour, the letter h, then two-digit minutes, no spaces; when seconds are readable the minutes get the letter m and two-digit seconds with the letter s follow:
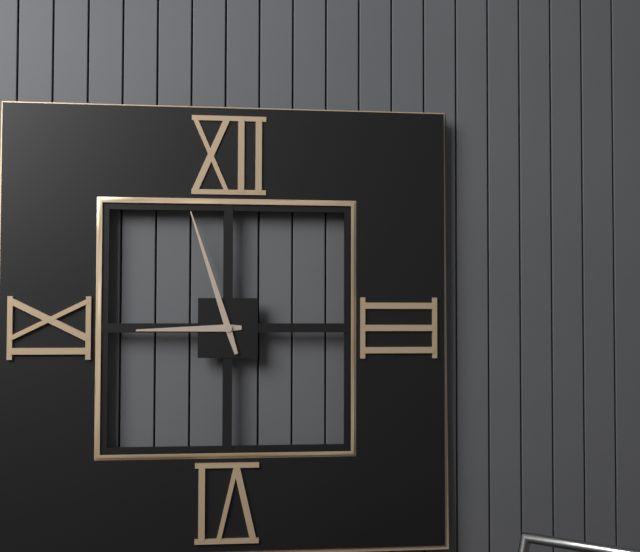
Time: 8h57
